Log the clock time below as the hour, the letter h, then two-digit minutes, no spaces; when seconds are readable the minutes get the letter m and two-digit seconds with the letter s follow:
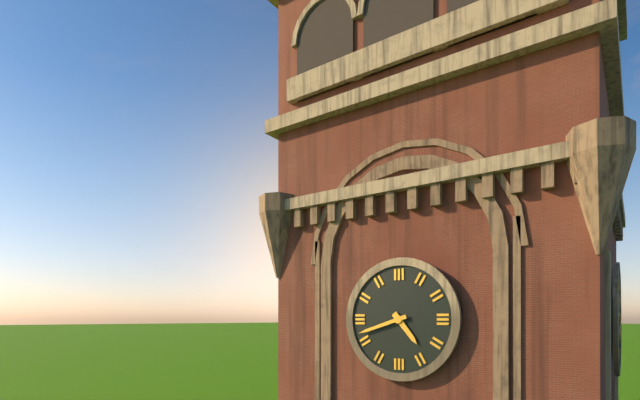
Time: 4h42
